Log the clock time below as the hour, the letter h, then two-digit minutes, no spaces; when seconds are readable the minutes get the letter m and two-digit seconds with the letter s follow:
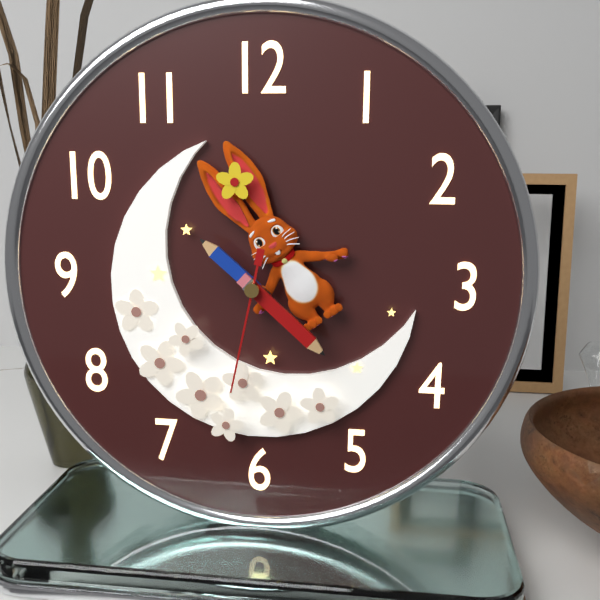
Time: 10h22m32s
